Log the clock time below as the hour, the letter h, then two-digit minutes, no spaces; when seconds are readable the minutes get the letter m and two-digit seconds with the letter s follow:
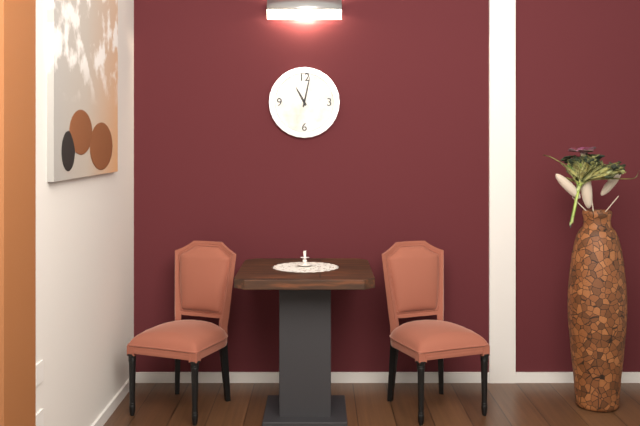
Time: 11h02
